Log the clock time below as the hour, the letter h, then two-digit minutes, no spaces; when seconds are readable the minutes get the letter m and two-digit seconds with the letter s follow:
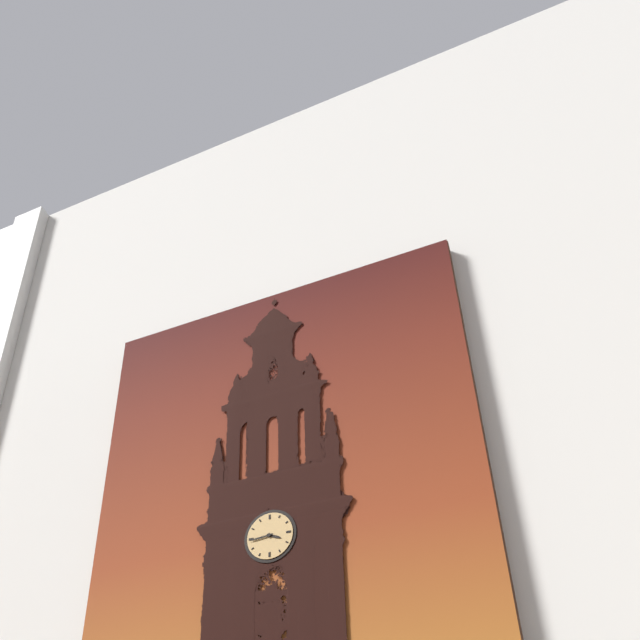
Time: 3h44
